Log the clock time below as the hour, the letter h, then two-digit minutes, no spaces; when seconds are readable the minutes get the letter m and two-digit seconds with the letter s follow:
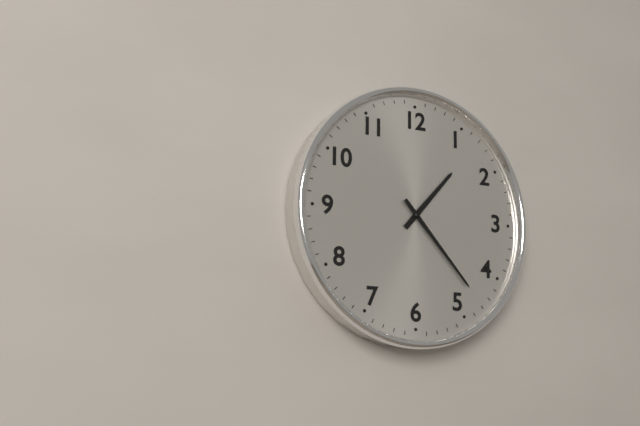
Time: 1h23
